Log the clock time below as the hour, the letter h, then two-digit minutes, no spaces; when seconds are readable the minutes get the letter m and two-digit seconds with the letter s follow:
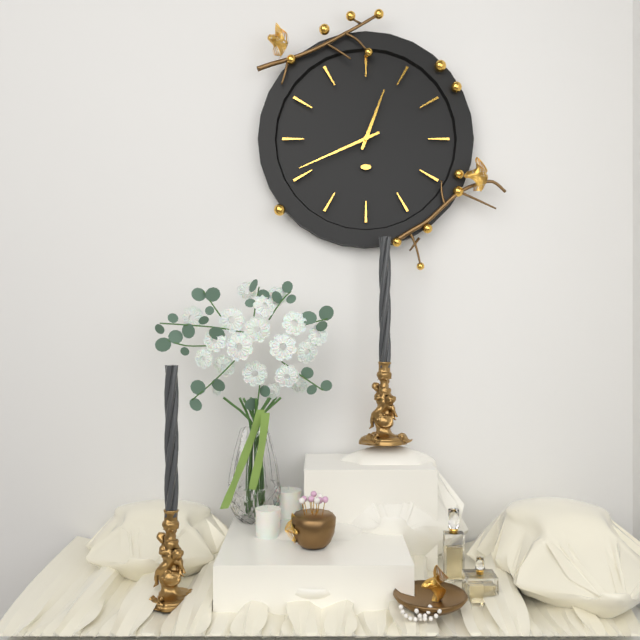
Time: 12h41
